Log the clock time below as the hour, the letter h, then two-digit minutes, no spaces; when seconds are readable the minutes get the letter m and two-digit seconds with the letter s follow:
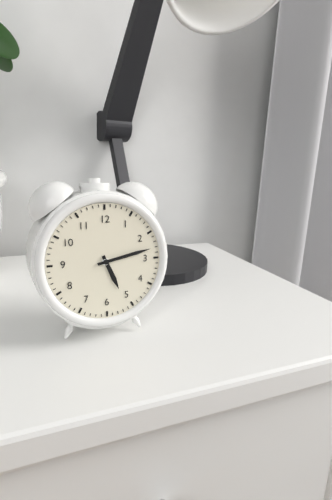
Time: 5h13
